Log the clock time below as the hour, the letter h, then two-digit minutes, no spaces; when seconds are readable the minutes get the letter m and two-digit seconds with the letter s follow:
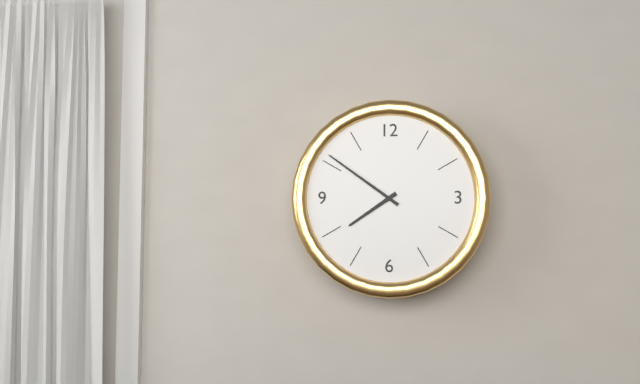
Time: 7h51
